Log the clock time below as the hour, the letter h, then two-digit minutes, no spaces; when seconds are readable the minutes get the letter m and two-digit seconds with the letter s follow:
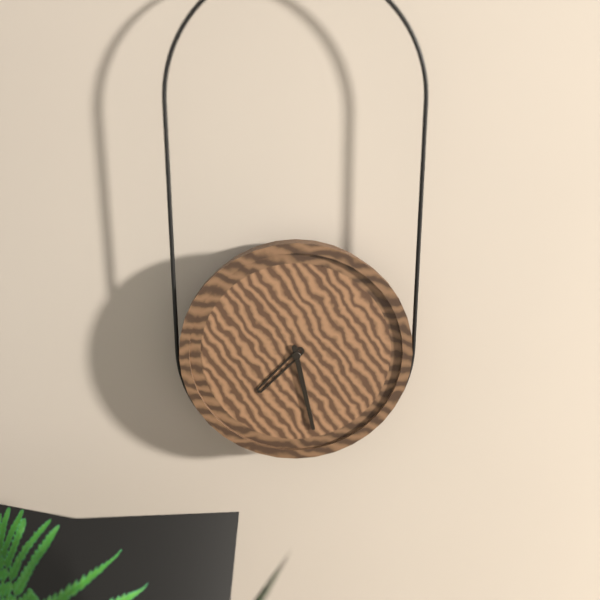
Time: 7h28
